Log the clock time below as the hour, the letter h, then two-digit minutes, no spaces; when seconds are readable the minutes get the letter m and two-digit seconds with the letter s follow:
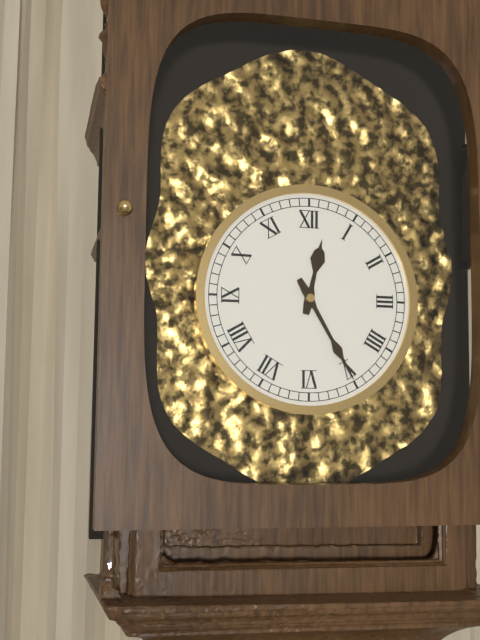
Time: 12h25
